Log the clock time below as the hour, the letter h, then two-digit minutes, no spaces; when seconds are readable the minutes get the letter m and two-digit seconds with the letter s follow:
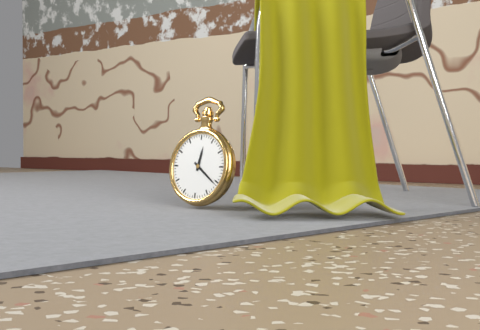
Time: 12h21
